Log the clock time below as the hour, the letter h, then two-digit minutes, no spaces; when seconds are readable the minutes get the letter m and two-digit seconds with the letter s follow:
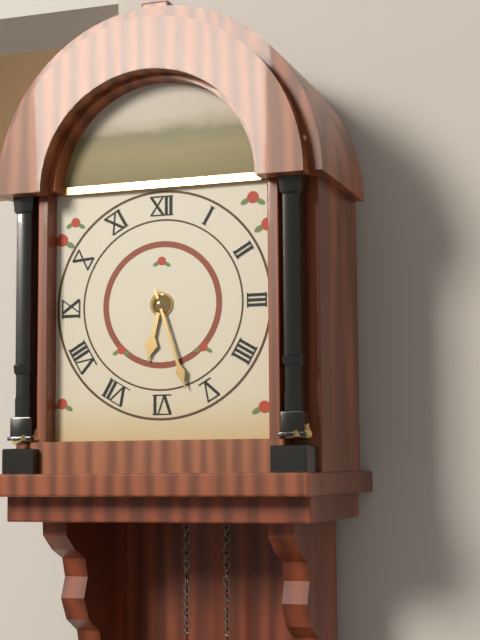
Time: 6h27
